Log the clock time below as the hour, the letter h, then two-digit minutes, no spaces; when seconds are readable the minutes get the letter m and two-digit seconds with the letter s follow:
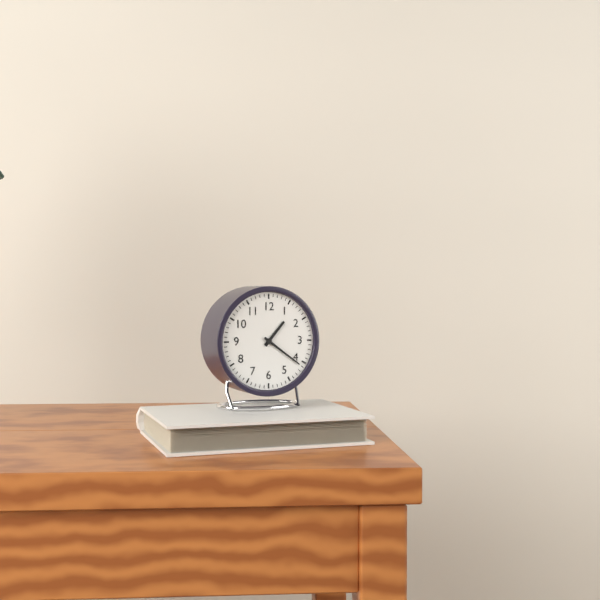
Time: 1h21
